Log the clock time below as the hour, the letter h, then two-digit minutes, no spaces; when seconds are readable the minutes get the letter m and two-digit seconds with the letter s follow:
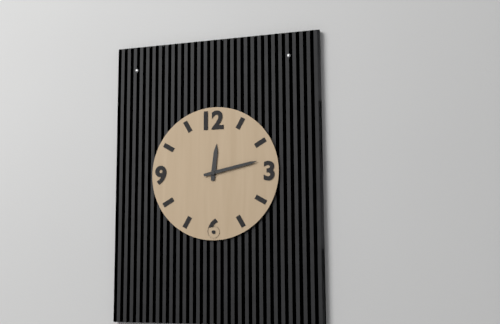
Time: 12h13
